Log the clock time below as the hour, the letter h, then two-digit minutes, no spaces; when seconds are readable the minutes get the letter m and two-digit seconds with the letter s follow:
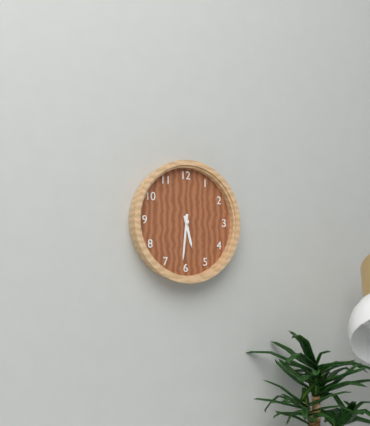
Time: 5h31
